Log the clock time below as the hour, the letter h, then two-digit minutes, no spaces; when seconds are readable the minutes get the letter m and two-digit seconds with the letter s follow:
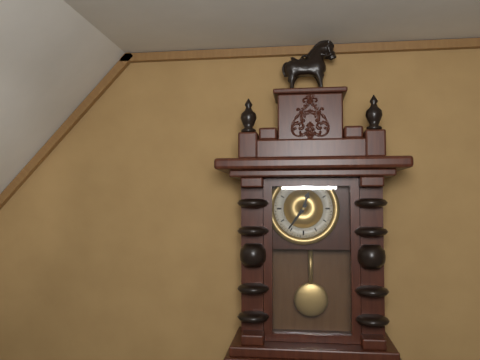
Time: 12h36
